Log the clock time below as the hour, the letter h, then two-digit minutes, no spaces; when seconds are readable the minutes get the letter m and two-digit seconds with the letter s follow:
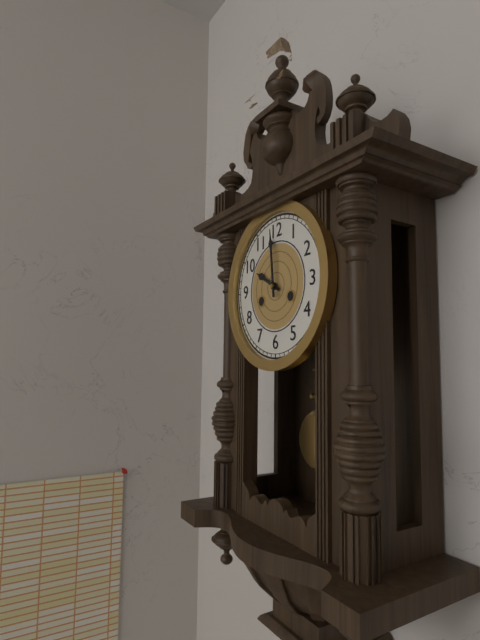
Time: 9h59
